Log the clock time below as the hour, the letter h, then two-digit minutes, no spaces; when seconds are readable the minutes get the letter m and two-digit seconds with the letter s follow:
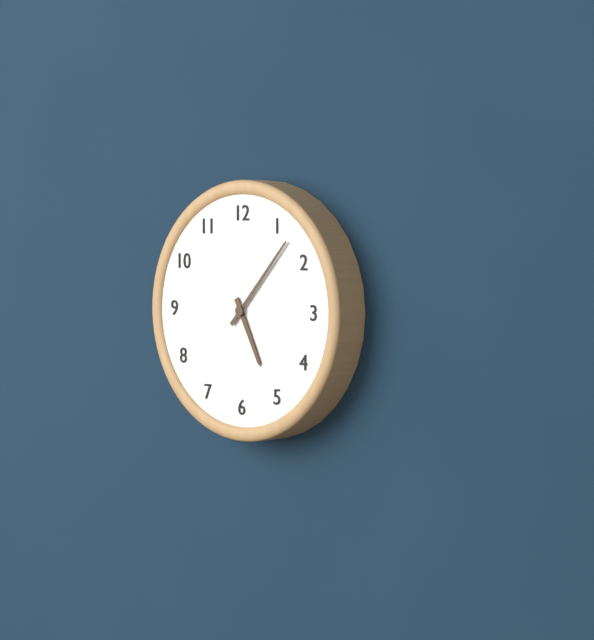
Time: 5h07
